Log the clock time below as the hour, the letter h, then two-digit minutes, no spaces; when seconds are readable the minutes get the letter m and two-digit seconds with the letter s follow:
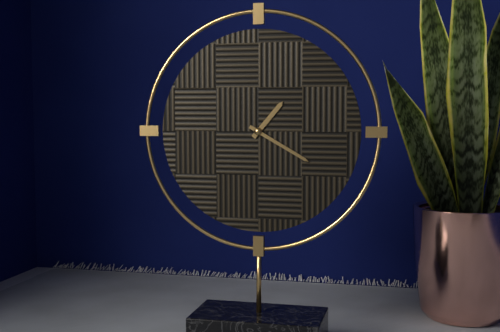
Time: 1h20
